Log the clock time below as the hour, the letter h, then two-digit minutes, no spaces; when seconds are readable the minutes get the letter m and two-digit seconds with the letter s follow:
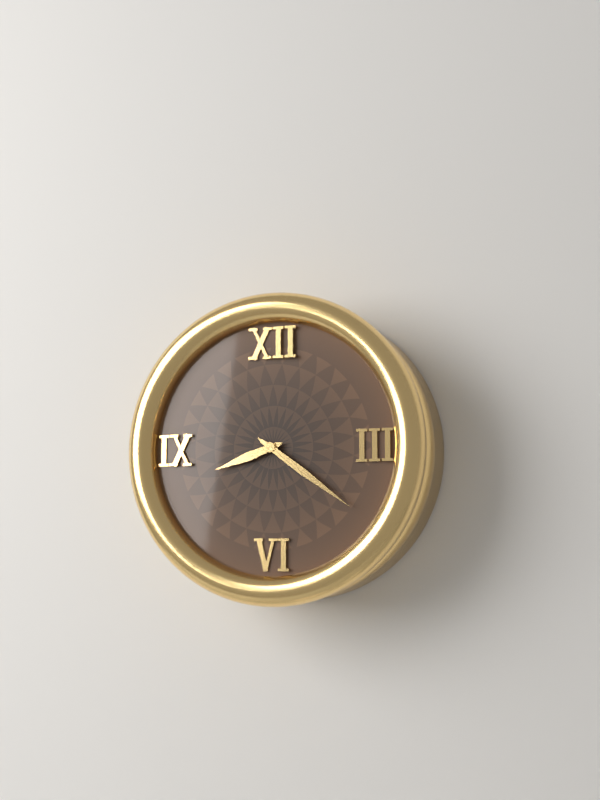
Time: 8h21
